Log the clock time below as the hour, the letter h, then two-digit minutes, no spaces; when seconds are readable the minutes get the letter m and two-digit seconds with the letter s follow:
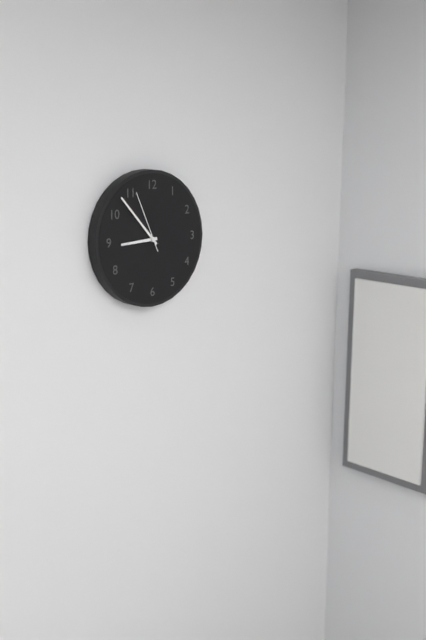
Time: 8h53m56s
